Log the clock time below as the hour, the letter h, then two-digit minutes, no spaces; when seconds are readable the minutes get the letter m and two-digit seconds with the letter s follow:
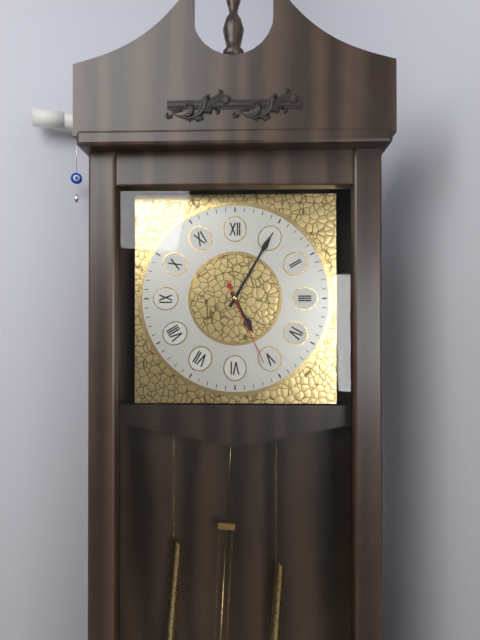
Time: 5h05m26s
